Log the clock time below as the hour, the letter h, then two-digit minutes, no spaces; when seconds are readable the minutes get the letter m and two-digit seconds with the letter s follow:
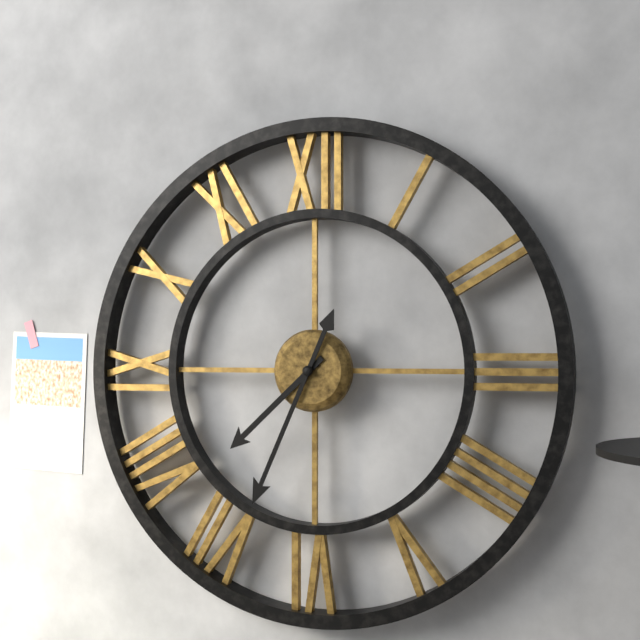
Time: 7h34
